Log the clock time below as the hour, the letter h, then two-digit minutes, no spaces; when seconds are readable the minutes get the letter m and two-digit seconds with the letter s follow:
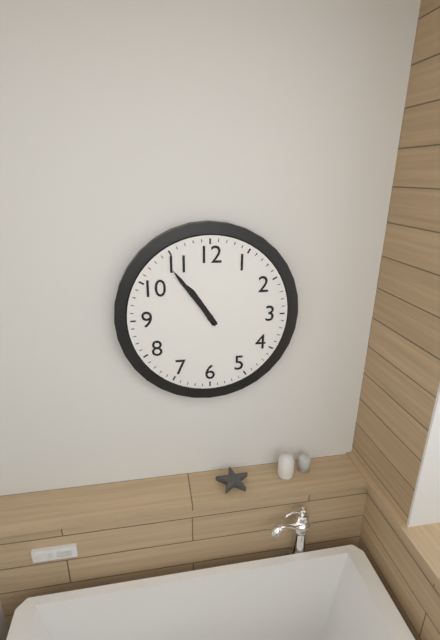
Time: 10h54
